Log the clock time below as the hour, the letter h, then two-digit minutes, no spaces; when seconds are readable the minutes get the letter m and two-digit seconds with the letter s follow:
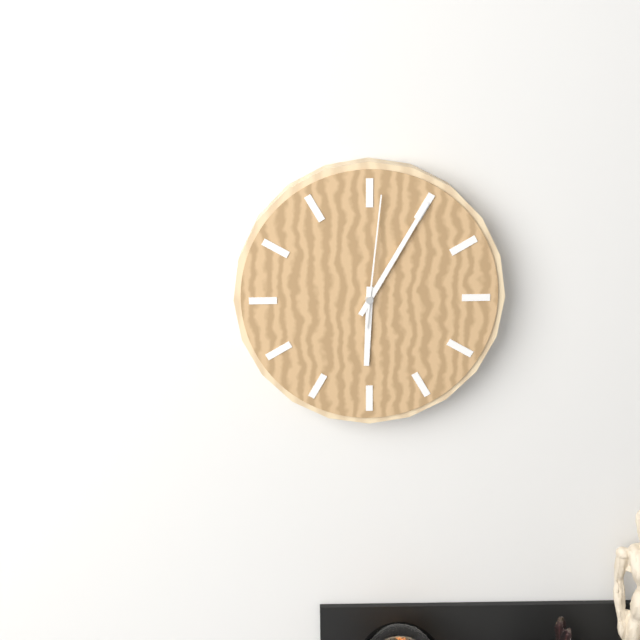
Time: 6h05m01s
